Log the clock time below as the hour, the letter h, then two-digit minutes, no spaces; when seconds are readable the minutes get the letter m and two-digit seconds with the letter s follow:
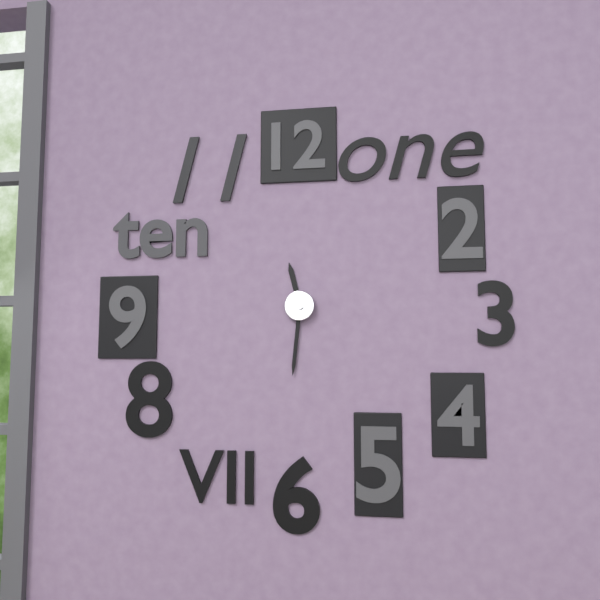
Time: 11h31
